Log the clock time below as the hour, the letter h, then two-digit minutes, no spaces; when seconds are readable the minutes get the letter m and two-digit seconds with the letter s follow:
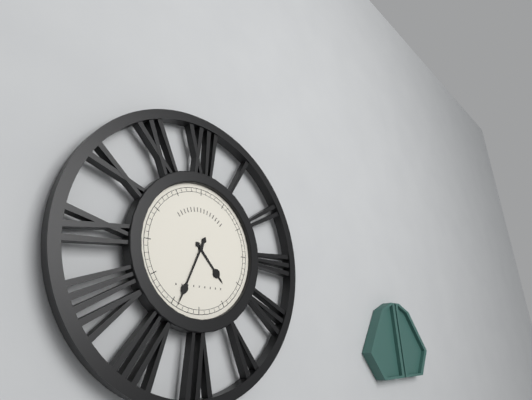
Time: 4h34
